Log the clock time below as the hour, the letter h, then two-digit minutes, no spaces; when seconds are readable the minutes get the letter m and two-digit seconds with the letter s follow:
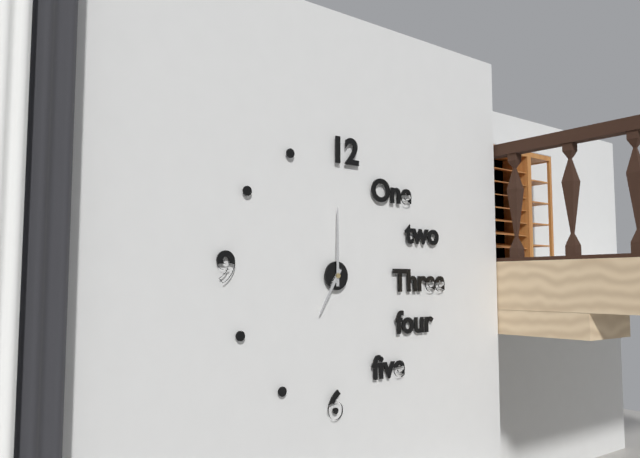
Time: 7h00
